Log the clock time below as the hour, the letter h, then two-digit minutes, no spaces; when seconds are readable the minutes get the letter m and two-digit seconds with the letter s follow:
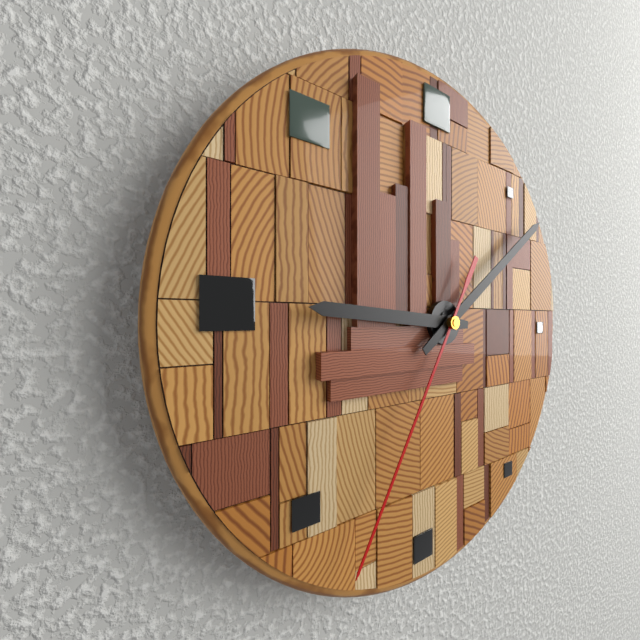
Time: 9h09m35s
